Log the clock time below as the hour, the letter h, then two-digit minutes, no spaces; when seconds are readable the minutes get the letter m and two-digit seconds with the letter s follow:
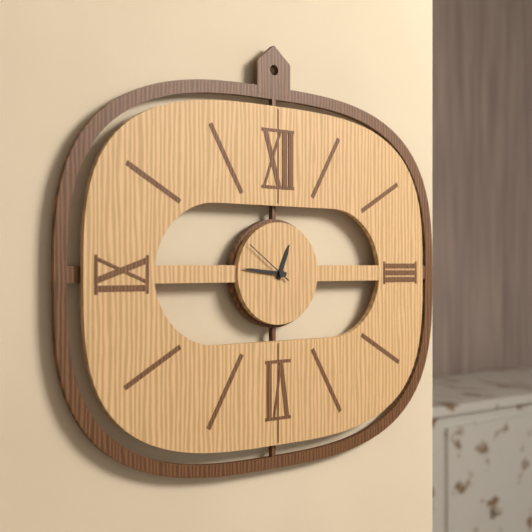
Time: 12h46m51s
